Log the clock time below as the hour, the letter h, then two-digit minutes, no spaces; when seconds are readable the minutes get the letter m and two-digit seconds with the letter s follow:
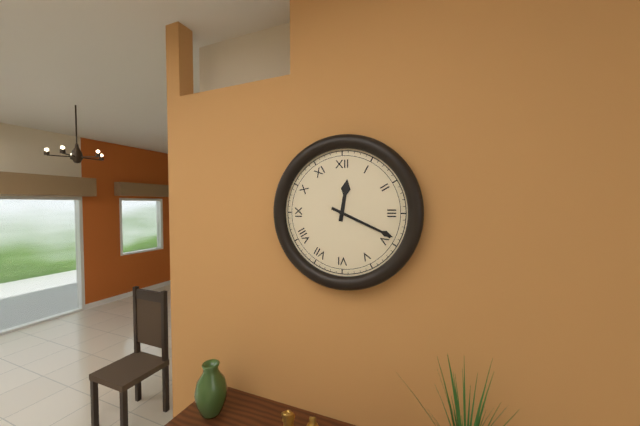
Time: 12h19
